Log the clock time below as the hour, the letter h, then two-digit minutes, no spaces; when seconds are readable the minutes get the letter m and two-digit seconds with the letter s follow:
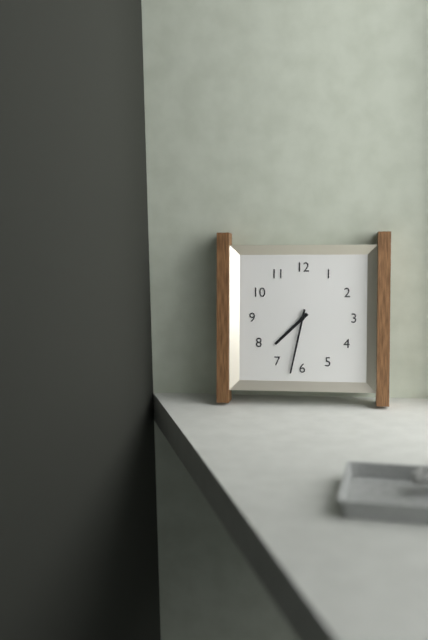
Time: 7h32
